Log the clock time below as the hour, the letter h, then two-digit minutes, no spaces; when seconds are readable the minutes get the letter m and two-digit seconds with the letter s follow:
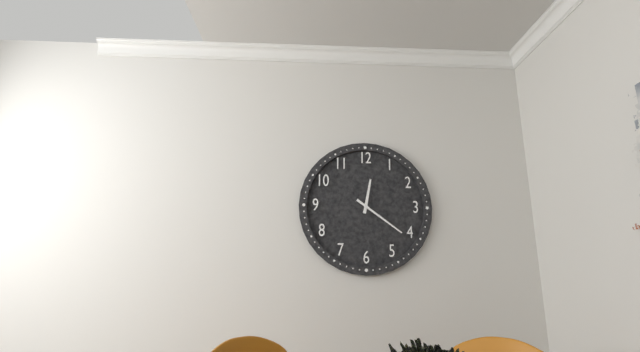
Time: 12h21
